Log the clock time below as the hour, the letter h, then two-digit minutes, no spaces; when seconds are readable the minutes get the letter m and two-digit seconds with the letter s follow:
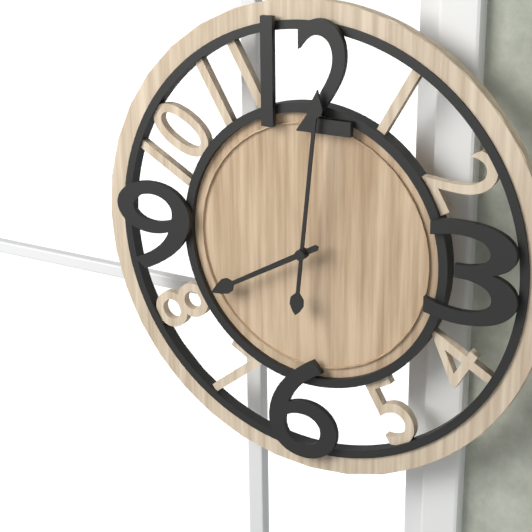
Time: 8h01
